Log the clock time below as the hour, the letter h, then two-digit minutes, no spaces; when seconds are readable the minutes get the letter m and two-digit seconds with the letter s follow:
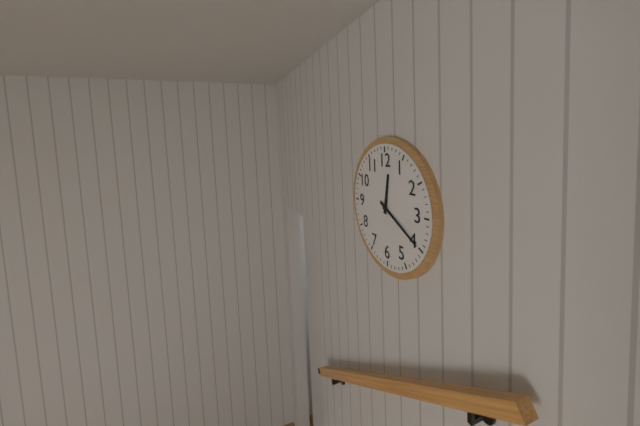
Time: 12h20
